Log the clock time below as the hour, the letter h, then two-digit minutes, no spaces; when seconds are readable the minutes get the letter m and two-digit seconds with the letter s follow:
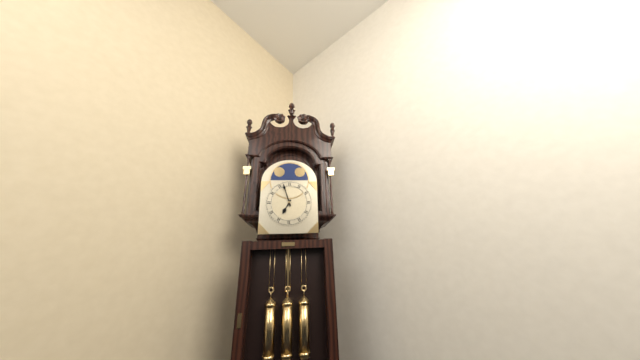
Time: 6h57
